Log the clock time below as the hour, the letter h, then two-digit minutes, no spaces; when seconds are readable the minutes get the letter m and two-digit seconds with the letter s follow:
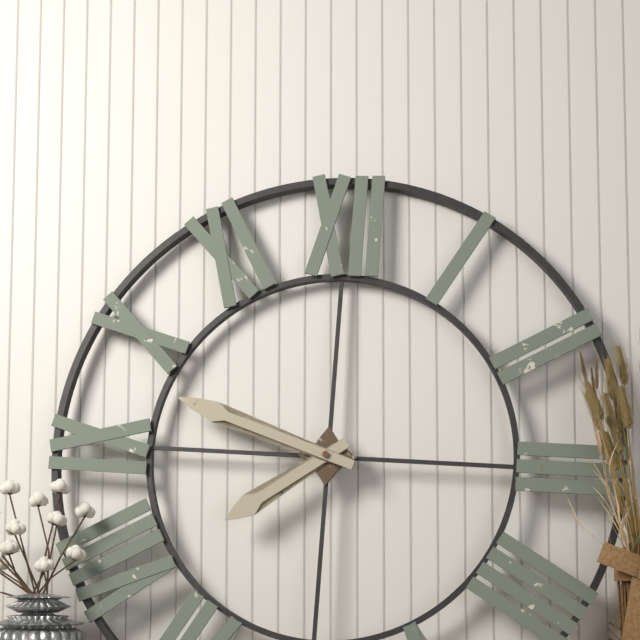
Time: 7h48
